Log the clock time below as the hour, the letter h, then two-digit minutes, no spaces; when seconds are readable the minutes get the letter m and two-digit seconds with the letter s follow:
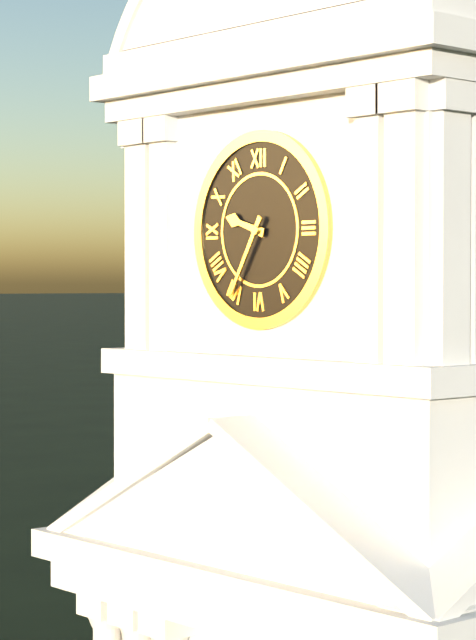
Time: 9h35
